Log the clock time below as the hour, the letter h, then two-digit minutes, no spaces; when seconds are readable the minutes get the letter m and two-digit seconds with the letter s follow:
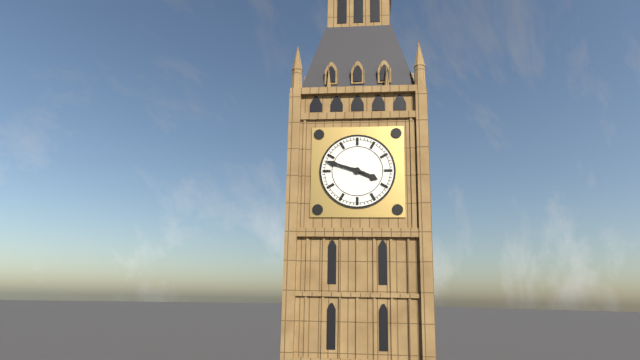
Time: 3h48
